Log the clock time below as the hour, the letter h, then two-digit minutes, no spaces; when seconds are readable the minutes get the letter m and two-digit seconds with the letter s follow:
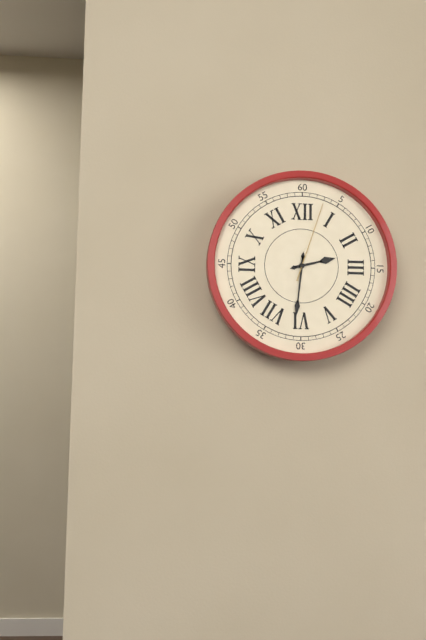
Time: 2h31m03s
